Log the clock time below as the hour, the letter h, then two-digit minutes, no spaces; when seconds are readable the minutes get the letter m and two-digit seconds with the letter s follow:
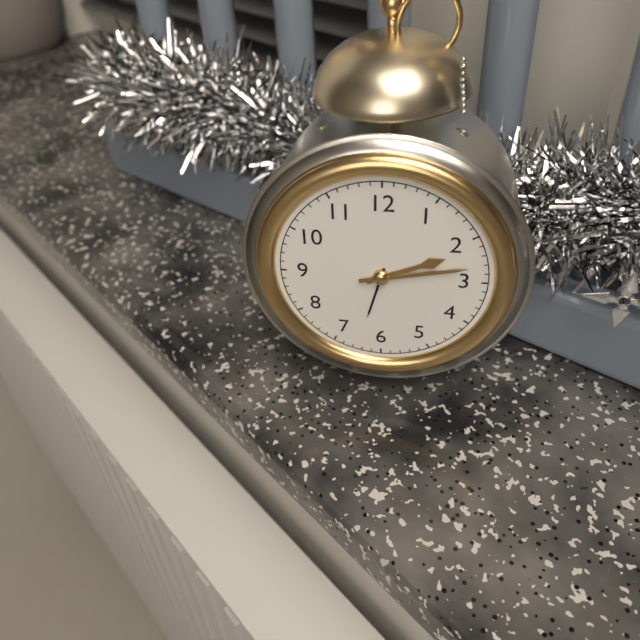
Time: 2h13
